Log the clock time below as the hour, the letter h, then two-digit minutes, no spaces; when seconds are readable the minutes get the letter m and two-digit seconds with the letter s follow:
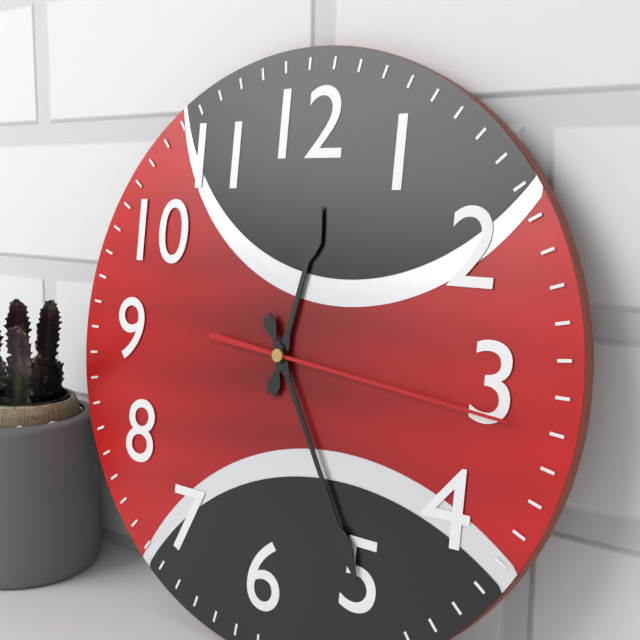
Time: 12h25m16s
